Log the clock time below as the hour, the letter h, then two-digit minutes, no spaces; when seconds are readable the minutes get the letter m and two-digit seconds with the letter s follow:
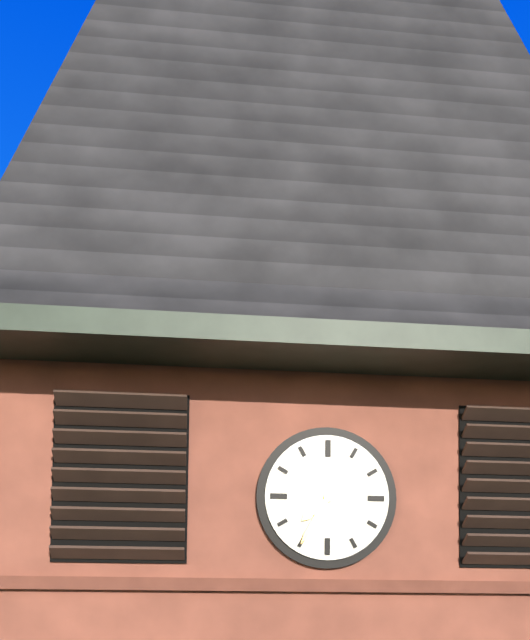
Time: 7h35
